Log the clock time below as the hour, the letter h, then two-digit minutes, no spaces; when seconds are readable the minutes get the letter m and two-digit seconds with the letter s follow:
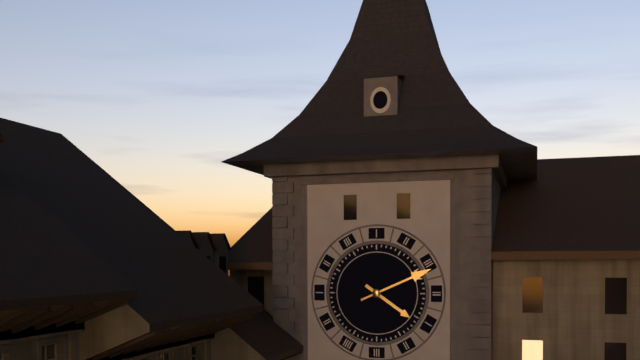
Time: 4h11
